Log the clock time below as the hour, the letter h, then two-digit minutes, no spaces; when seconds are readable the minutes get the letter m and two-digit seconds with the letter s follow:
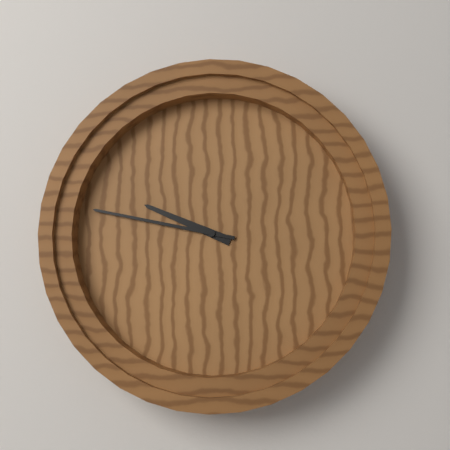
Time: 9h47
